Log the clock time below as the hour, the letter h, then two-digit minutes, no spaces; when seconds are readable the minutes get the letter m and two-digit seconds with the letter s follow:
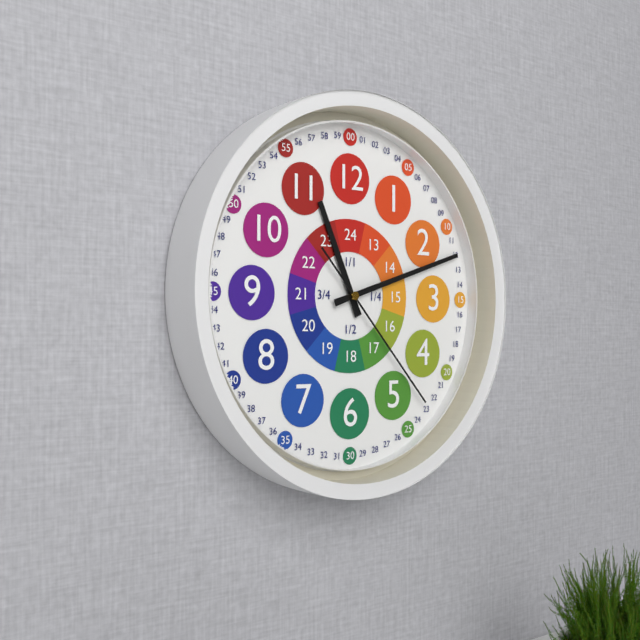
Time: 11h12m23s
